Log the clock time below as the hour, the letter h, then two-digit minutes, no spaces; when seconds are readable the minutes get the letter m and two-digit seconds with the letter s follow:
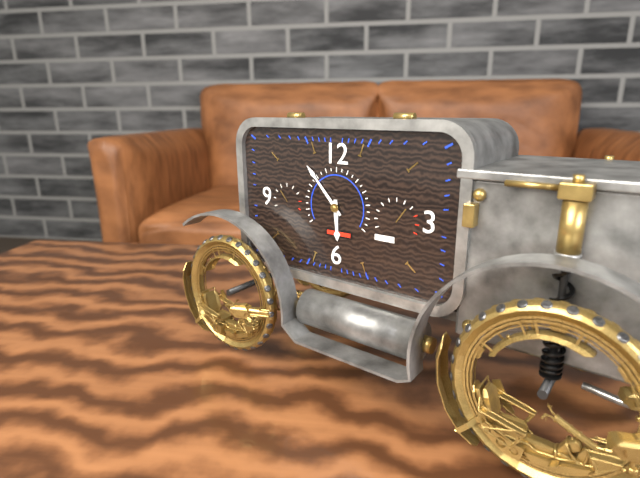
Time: 5h53
